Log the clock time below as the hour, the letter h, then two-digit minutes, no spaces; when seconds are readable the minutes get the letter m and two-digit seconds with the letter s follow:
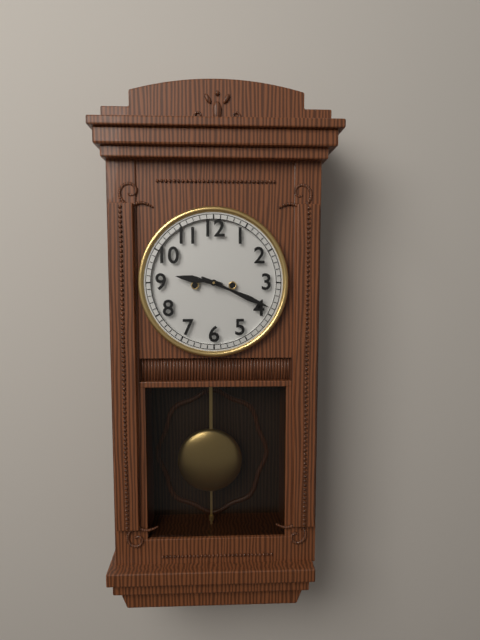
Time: 9h19
